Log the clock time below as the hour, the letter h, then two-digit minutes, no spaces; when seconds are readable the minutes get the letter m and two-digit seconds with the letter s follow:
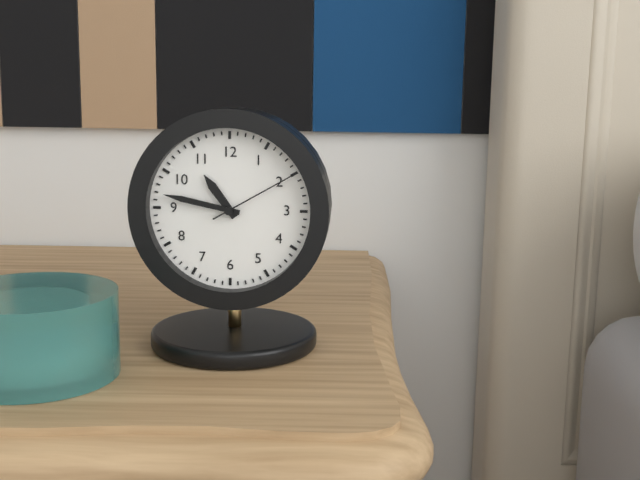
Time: 10h47m10s
